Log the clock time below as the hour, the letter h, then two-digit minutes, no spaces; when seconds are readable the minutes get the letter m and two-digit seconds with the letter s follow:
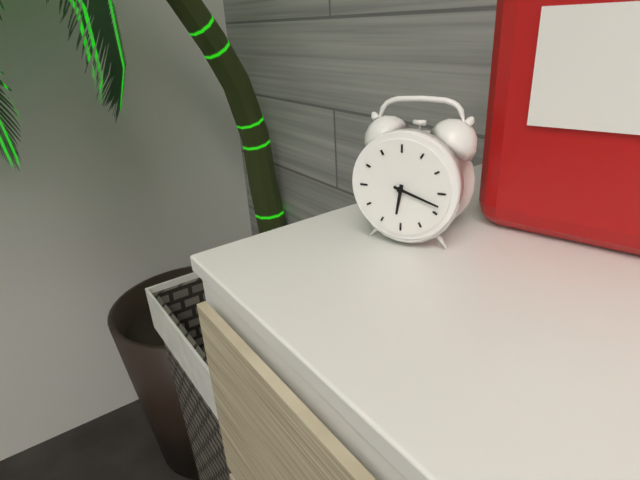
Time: 6h18
